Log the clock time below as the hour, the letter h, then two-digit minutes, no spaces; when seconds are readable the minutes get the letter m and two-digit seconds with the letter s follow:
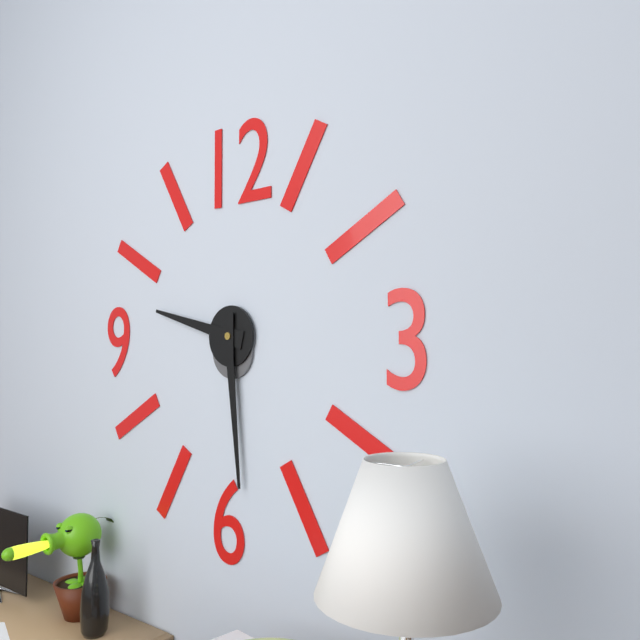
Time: 9h29
